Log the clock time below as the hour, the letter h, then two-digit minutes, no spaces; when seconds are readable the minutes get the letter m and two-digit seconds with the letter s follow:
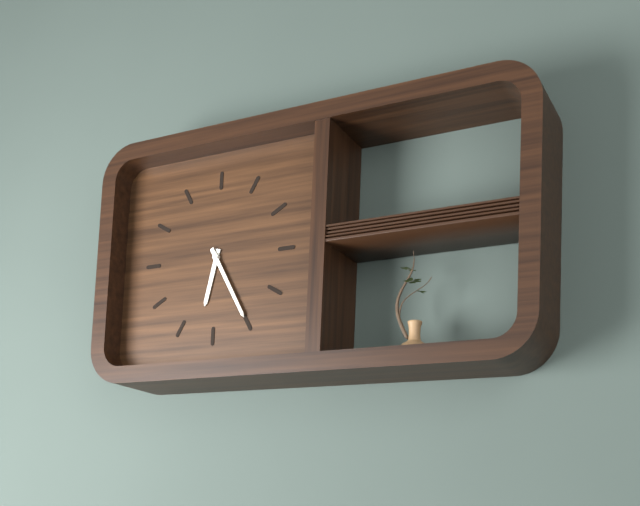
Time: 6h25
